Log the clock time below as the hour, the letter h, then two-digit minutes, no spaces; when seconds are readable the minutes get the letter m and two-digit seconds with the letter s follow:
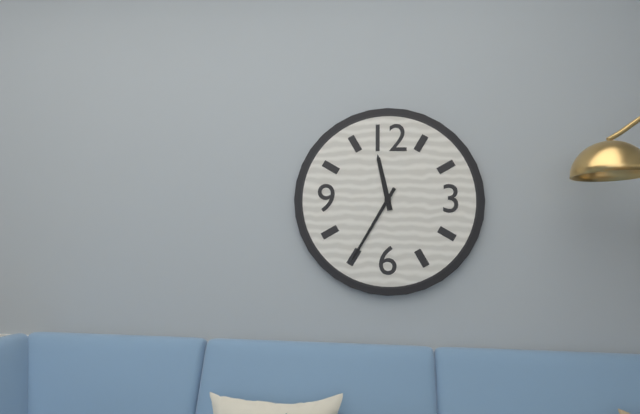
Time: 11h35
